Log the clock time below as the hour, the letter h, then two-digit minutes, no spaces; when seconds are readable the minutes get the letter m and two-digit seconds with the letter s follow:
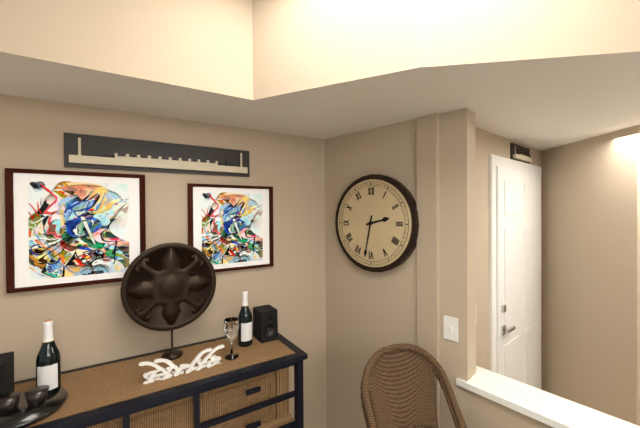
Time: 2h32
